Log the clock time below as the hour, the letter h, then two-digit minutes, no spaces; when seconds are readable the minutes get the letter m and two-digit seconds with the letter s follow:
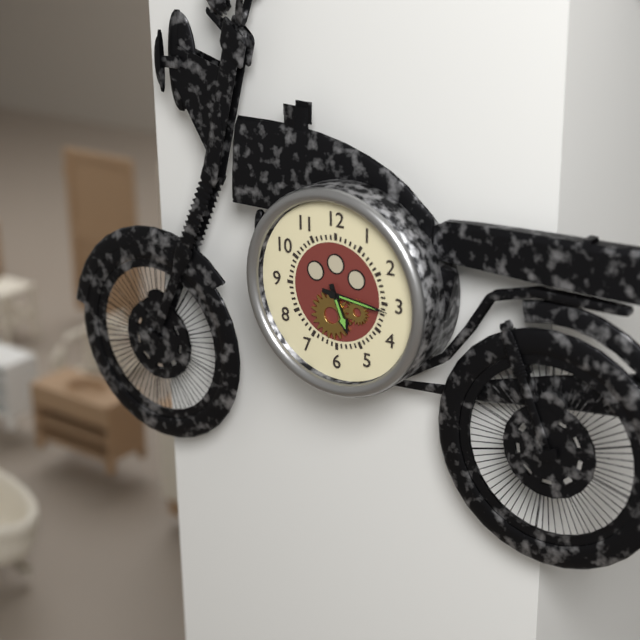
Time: 5h16
